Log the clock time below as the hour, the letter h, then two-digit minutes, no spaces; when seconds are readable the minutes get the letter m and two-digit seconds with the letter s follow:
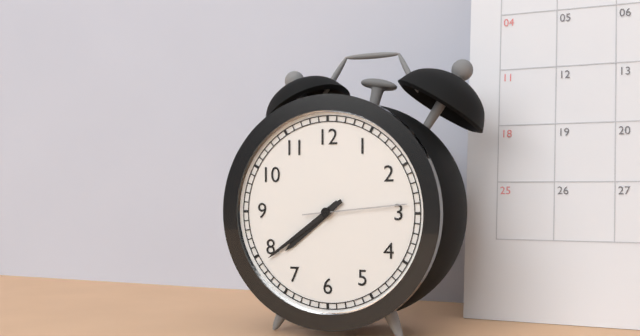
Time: 7h39m14s
